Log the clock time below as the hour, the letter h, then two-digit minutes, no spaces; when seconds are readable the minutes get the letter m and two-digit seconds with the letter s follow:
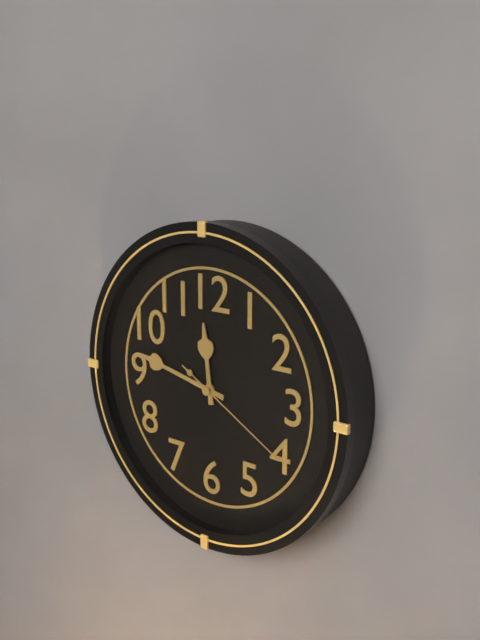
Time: 11h47m20s
